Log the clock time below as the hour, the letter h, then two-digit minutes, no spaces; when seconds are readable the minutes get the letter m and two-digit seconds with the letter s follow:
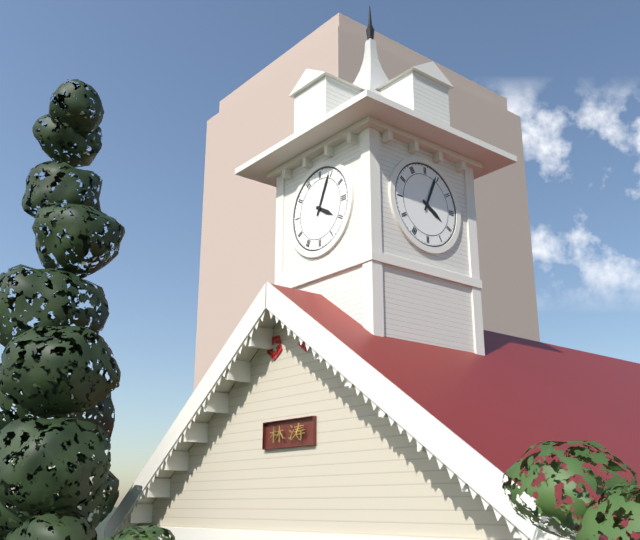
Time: 4h04
